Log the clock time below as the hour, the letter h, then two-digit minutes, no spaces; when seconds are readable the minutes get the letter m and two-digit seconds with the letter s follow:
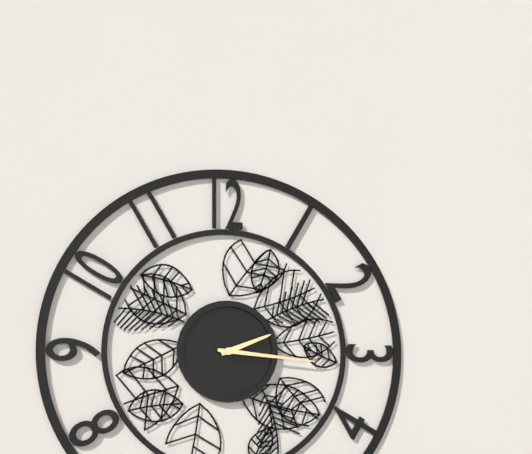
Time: 2h16
